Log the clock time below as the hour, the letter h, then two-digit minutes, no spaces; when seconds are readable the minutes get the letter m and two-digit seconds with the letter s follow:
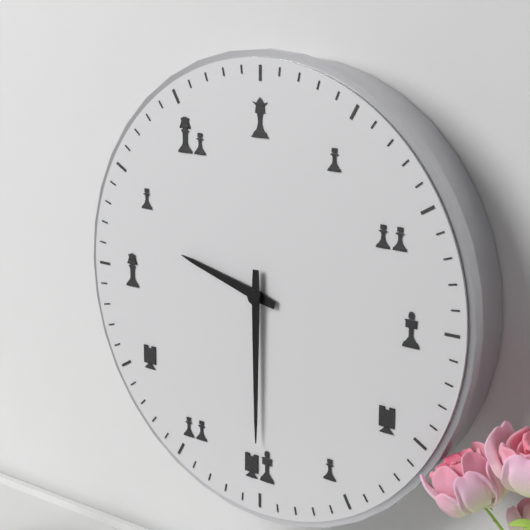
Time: 9h30
